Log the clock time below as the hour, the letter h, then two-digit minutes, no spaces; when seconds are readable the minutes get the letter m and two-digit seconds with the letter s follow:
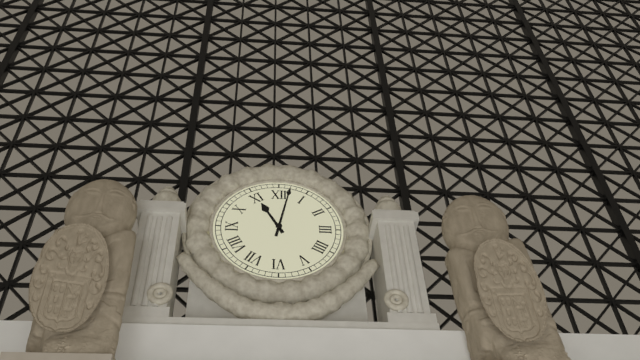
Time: 11h02
